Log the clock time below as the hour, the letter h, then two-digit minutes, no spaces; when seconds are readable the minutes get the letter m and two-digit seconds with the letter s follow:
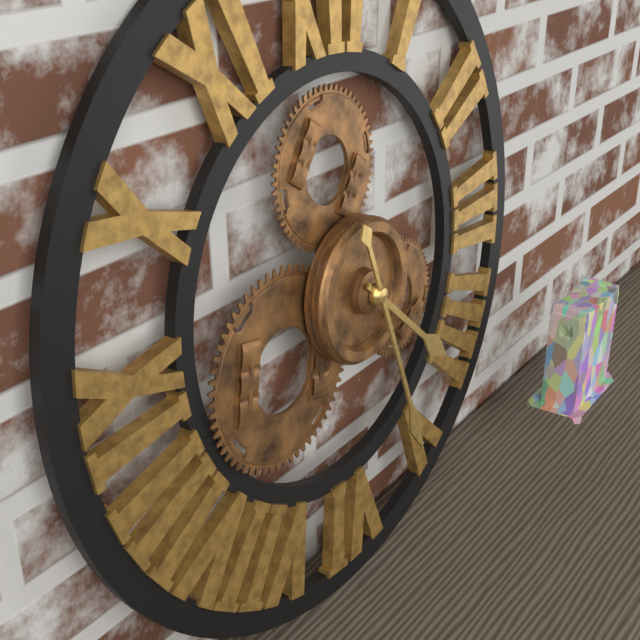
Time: 4h27
